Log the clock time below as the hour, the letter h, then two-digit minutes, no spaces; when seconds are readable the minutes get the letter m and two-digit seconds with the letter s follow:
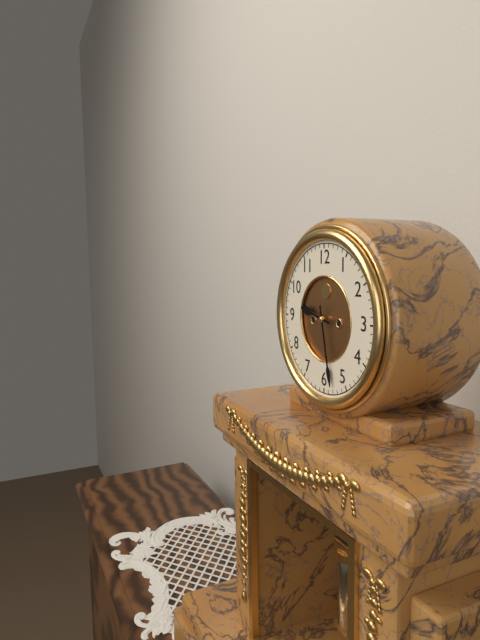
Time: 9h28
